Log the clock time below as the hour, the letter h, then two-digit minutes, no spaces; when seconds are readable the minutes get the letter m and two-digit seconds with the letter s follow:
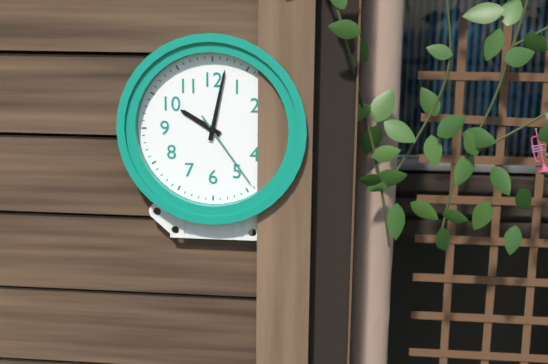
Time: 10h02m24s
